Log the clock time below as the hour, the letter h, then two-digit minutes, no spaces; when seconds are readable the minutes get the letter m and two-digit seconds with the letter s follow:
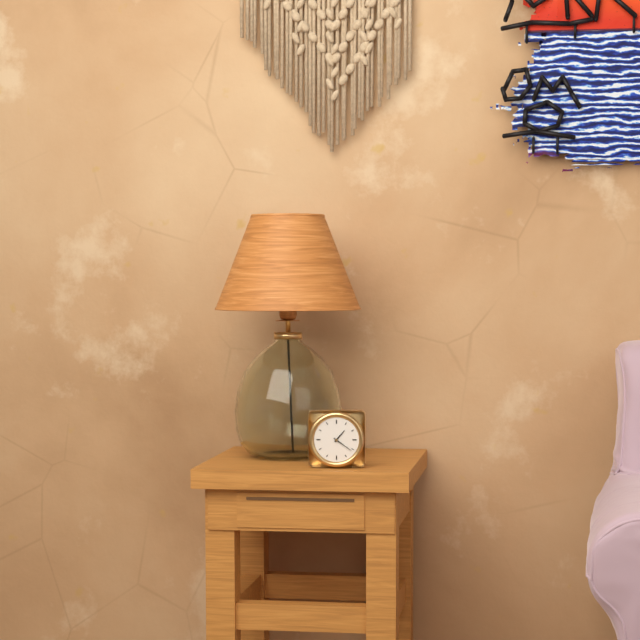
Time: 1h21
